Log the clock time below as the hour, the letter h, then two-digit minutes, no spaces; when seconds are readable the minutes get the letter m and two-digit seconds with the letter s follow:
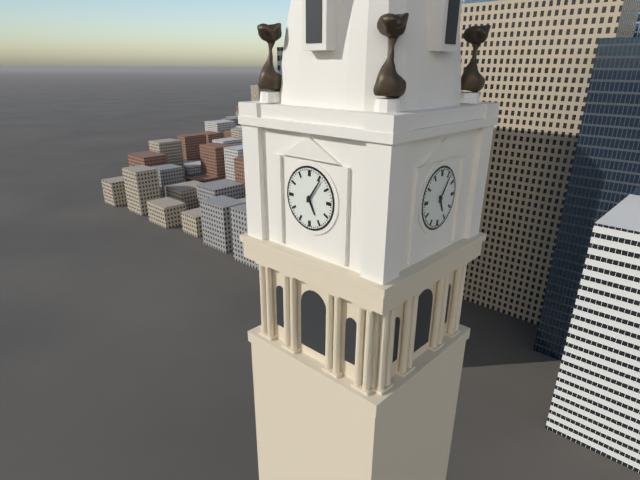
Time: 5h06
